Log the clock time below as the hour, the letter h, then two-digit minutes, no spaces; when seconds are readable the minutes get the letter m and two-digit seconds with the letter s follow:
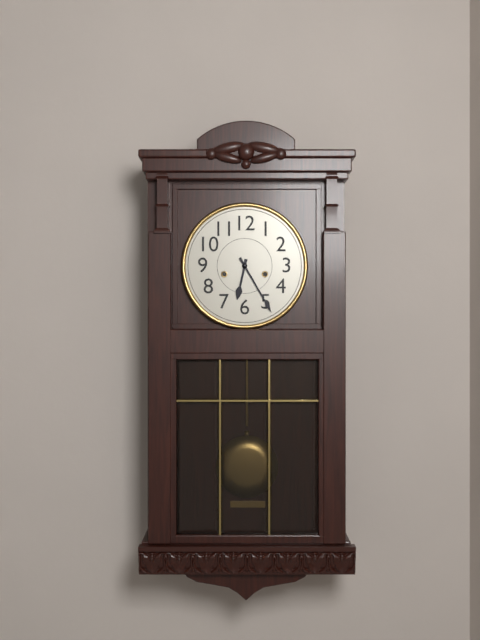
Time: 6h25
